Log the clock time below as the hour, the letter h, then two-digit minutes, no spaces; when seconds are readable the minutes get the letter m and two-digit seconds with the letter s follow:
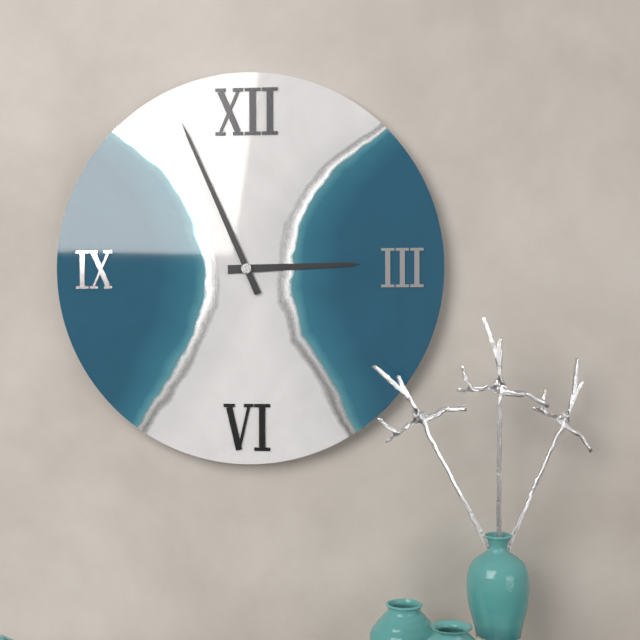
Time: 2h56
